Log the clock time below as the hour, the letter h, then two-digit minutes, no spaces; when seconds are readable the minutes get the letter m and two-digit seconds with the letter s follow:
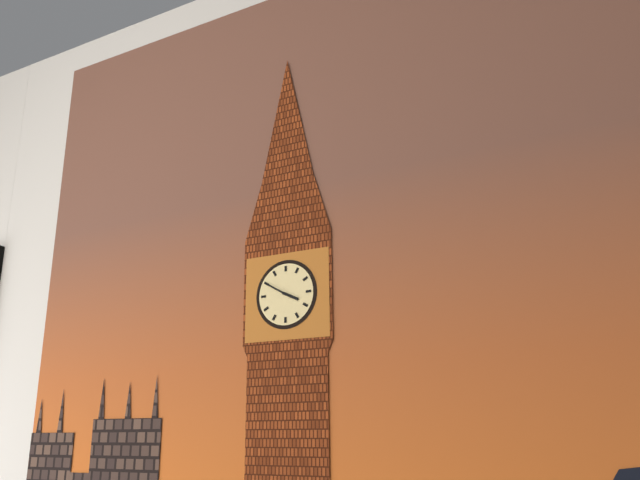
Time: 3h50
